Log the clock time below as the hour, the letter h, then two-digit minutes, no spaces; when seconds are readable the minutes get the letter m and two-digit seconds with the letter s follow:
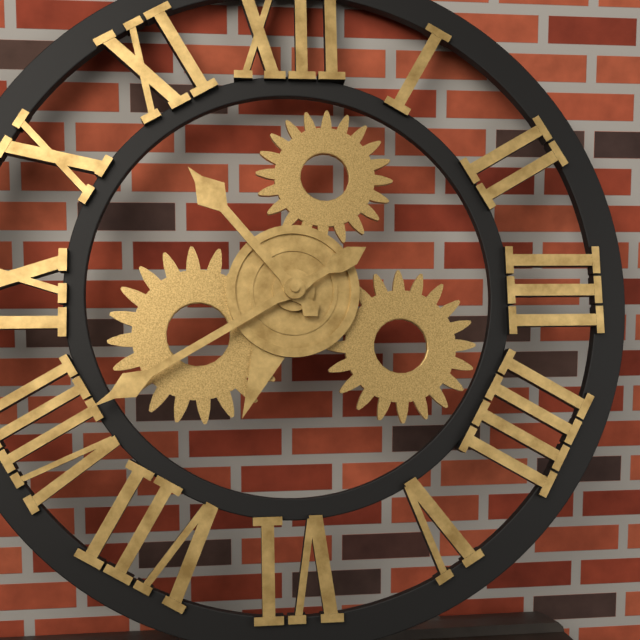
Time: 10h40
